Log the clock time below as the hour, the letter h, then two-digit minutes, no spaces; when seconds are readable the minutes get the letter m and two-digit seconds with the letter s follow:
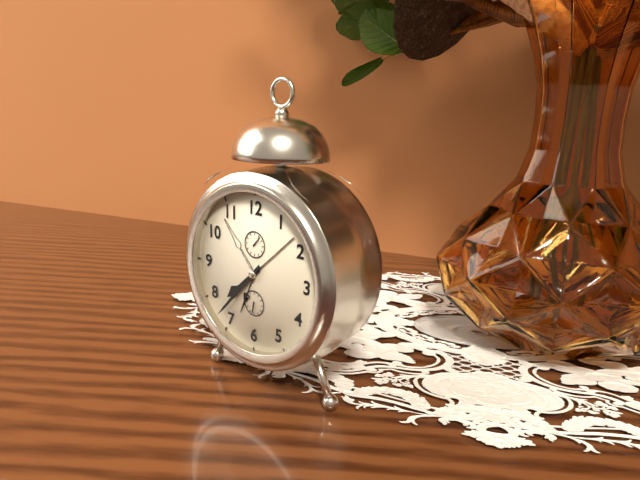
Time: 7h37
